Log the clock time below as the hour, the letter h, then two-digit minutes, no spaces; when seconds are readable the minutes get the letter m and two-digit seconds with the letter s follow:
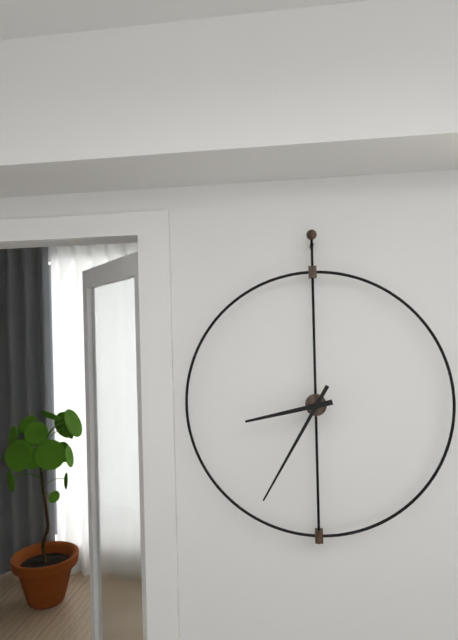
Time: 8h35
